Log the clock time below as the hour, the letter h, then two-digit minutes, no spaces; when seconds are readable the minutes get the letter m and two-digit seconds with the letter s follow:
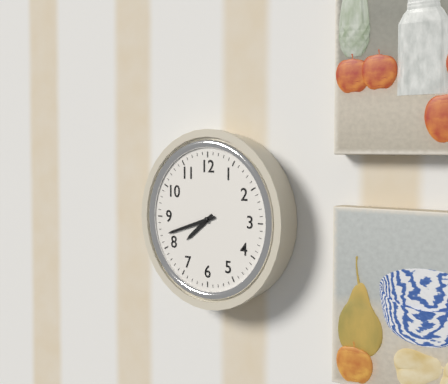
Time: 7h42
